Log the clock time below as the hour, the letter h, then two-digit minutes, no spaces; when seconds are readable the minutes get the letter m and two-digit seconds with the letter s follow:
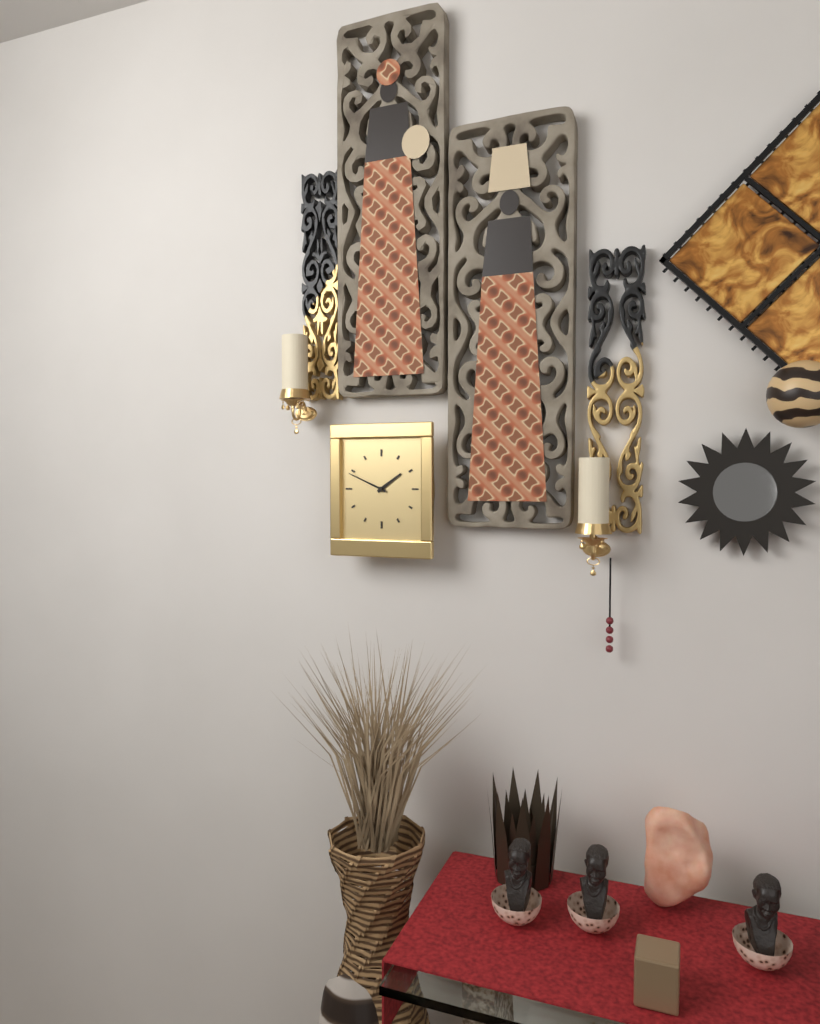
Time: 1h49
